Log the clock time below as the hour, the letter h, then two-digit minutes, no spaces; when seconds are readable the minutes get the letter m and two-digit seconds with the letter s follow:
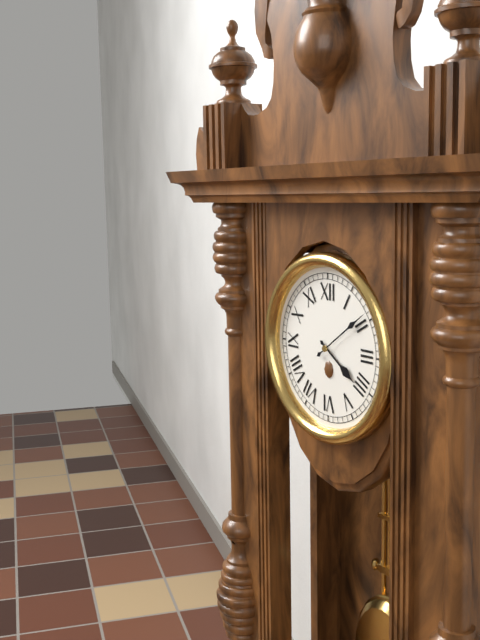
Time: 4h09
